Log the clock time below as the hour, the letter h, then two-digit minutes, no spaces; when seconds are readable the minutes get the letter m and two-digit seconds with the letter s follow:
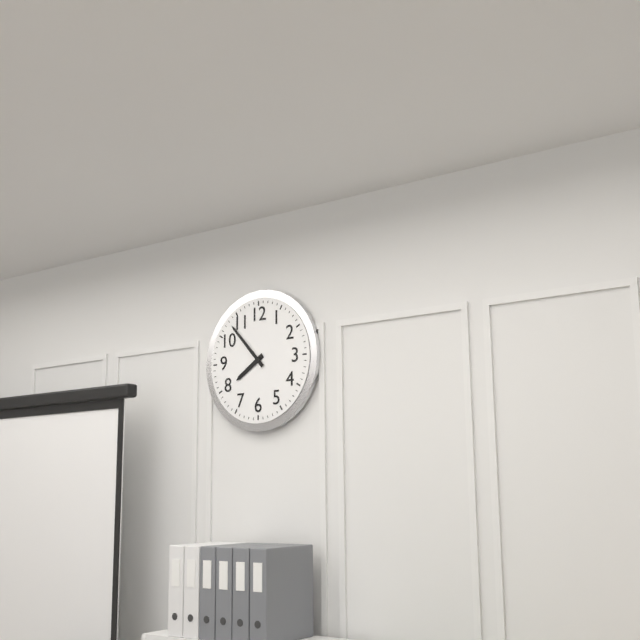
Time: 7h53
